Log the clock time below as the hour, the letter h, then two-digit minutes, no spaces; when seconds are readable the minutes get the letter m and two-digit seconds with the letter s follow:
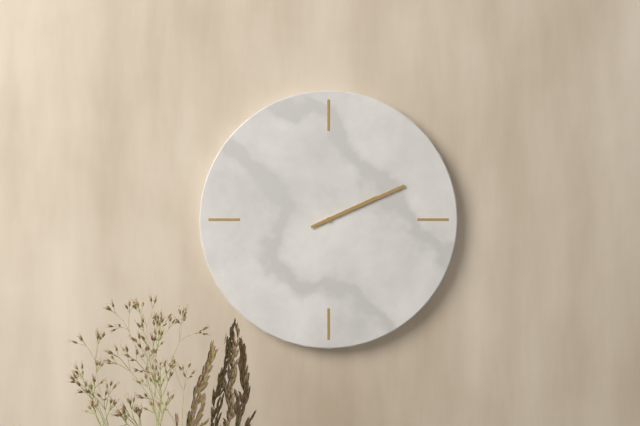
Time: 2h11
